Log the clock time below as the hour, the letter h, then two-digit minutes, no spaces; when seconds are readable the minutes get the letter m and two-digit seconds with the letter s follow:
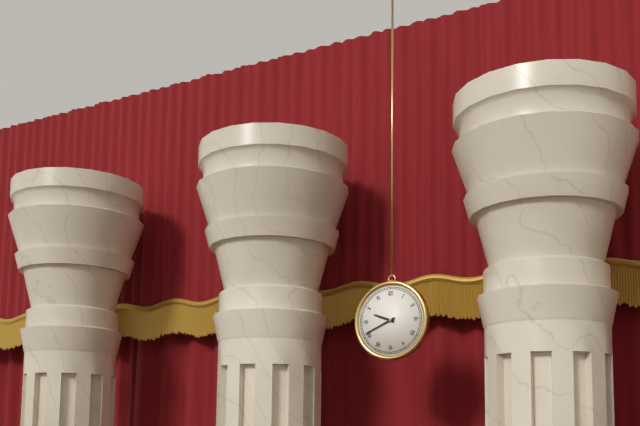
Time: 9h41
